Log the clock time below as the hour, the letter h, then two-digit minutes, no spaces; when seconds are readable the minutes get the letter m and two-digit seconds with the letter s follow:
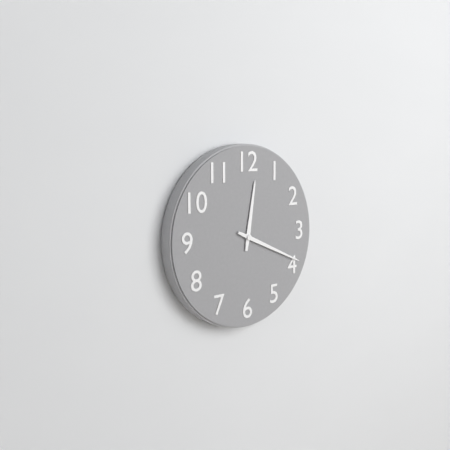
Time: 12h19
